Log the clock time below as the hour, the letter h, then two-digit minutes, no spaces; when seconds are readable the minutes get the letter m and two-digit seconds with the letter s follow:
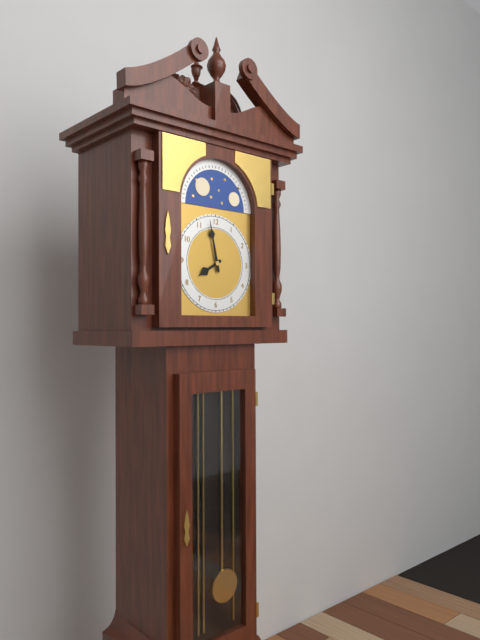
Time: 7h58
